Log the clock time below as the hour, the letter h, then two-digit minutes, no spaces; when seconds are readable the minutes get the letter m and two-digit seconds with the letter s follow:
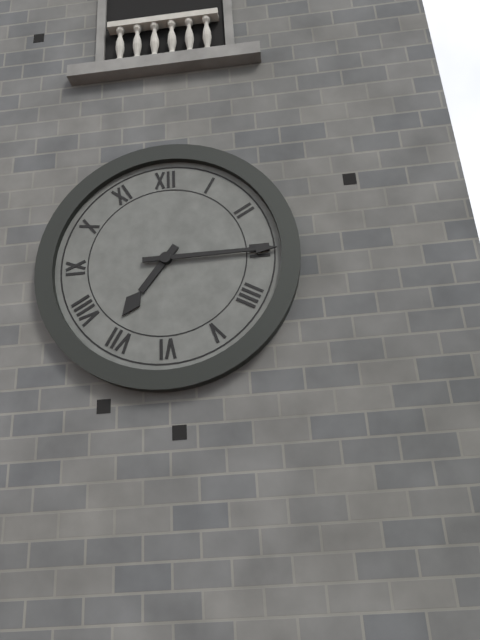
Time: 7h15
